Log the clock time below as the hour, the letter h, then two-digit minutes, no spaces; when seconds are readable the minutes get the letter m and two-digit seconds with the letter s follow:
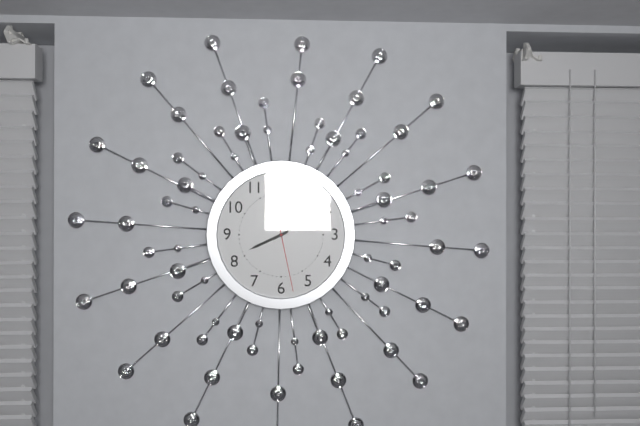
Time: 8h10m28s
